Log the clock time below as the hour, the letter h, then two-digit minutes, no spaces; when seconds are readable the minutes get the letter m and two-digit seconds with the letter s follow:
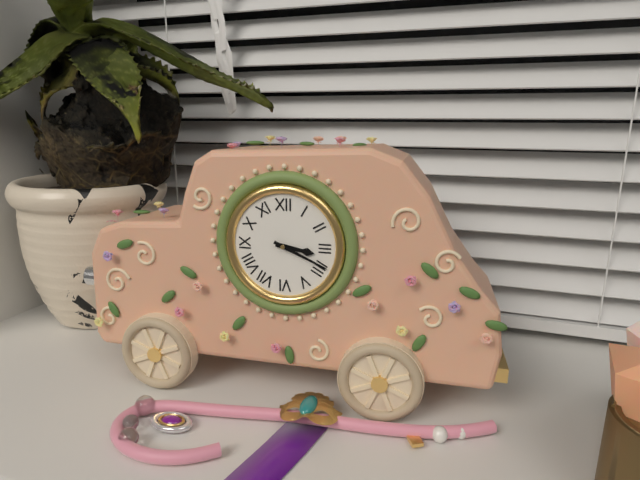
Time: 3h19
